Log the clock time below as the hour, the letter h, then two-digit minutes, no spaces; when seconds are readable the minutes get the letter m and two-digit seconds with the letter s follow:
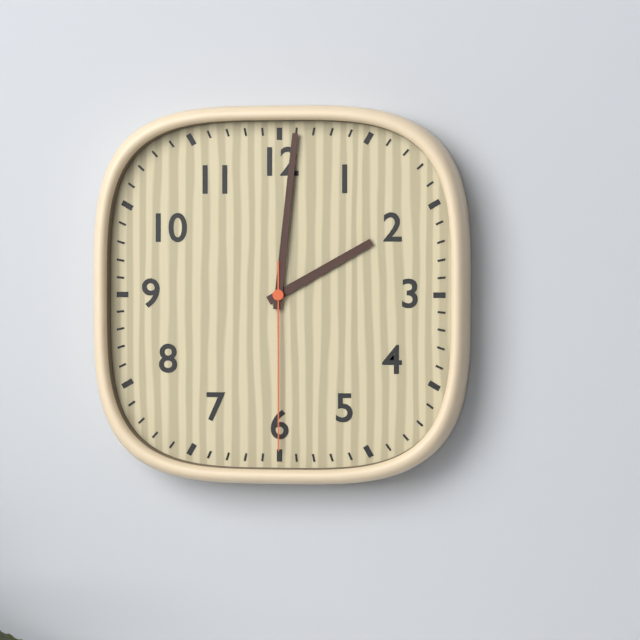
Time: 2h01m30s
